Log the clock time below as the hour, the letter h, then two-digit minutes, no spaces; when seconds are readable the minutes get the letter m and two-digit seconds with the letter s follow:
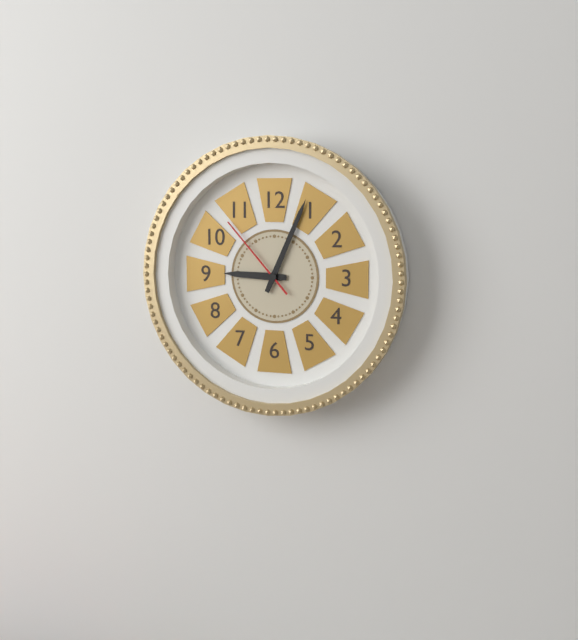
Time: 9h04m53s
